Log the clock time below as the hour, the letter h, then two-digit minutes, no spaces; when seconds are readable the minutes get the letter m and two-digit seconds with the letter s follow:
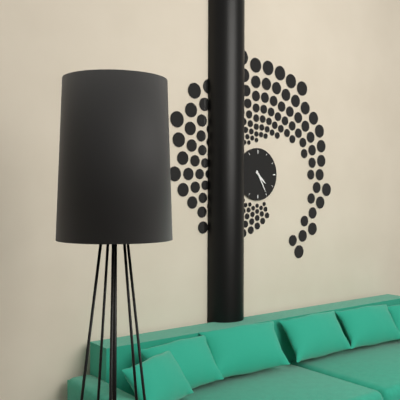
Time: 4h25
